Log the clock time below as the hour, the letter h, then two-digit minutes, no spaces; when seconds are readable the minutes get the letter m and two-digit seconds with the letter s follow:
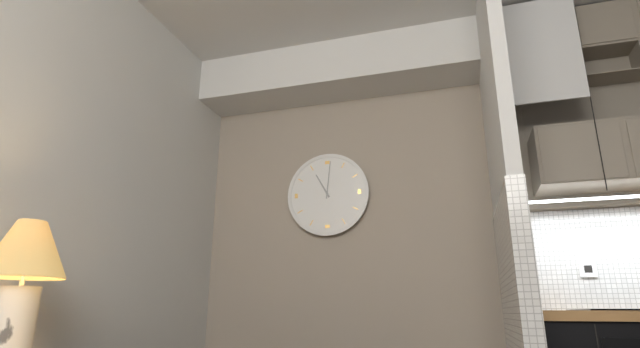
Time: 11h01
